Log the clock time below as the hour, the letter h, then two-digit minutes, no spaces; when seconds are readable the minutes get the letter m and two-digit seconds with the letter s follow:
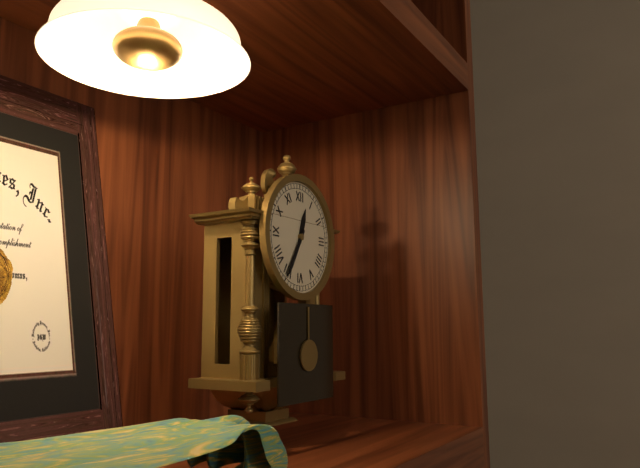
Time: 12h35
